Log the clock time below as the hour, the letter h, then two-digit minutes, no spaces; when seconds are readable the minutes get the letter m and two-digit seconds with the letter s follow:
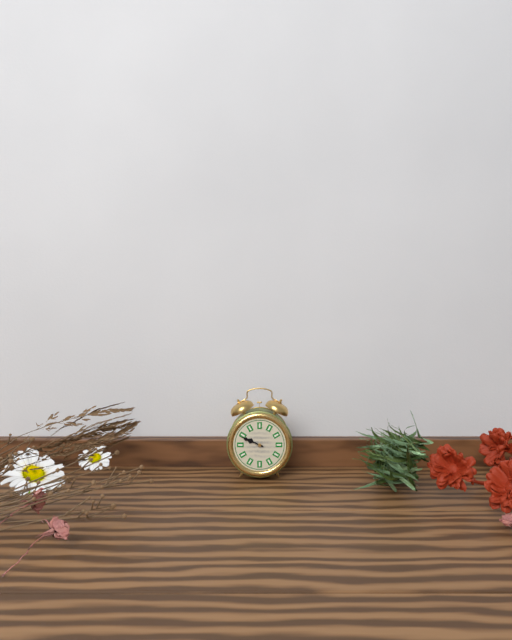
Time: 9h49
